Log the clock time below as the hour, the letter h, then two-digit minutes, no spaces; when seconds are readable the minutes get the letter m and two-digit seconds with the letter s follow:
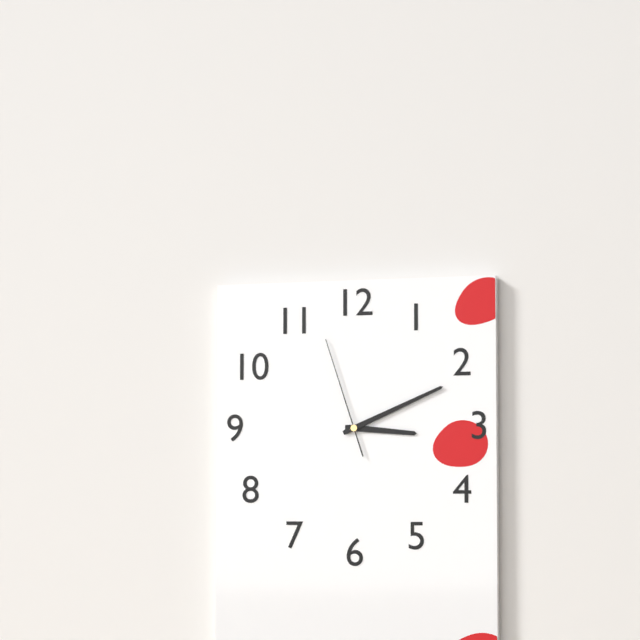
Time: 3h11m57s
